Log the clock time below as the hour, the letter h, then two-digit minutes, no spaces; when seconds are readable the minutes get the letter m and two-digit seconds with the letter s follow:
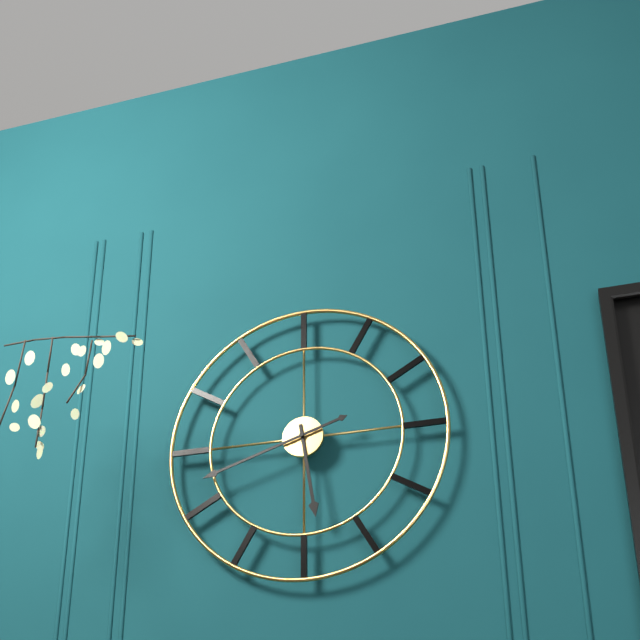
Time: 5h42
